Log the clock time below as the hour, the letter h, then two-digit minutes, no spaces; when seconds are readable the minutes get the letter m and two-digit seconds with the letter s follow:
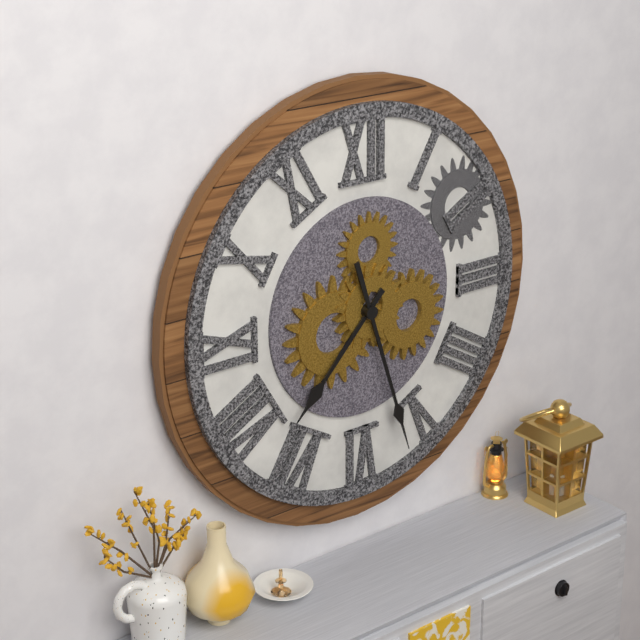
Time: 7h27
